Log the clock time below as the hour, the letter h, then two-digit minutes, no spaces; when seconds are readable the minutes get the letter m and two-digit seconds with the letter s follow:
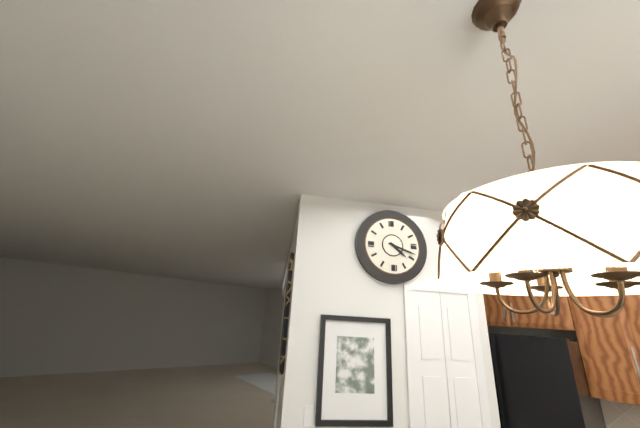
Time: 4h18
